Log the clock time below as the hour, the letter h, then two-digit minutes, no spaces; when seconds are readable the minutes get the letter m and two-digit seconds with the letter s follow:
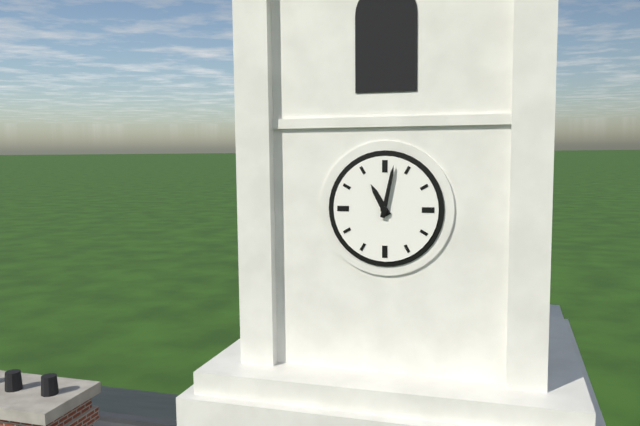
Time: 11h02
